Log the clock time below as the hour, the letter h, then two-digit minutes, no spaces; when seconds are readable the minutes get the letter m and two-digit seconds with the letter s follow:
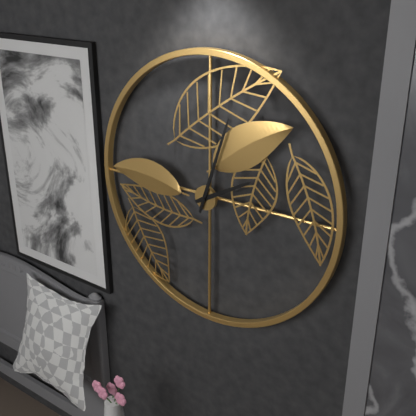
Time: 2h03
